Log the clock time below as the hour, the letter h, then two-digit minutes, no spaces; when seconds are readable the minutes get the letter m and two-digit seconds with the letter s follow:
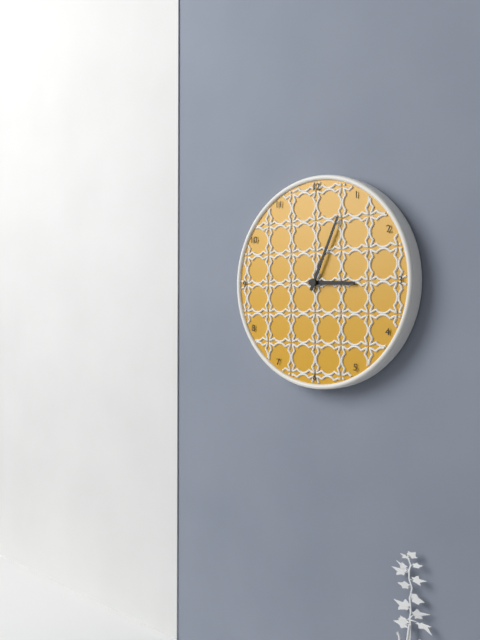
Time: 3h04
